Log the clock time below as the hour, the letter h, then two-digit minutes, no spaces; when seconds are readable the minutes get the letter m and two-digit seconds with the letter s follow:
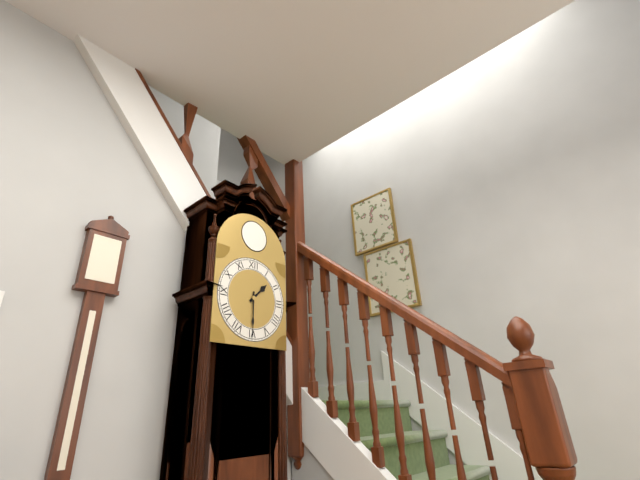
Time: 1h30
